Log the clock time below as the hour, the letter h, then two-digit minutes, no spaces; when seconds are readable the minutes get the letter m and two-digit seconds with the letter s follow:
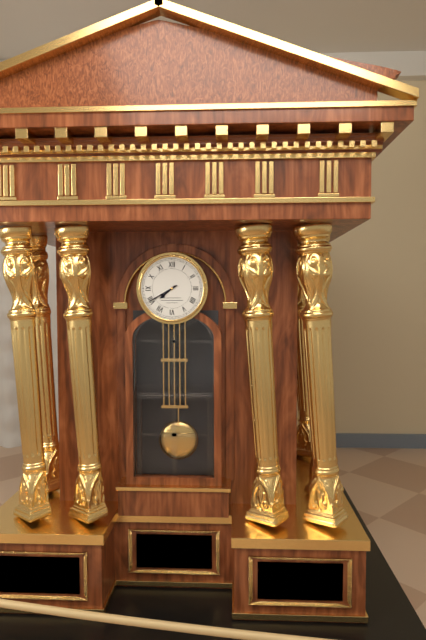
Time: 7h40
